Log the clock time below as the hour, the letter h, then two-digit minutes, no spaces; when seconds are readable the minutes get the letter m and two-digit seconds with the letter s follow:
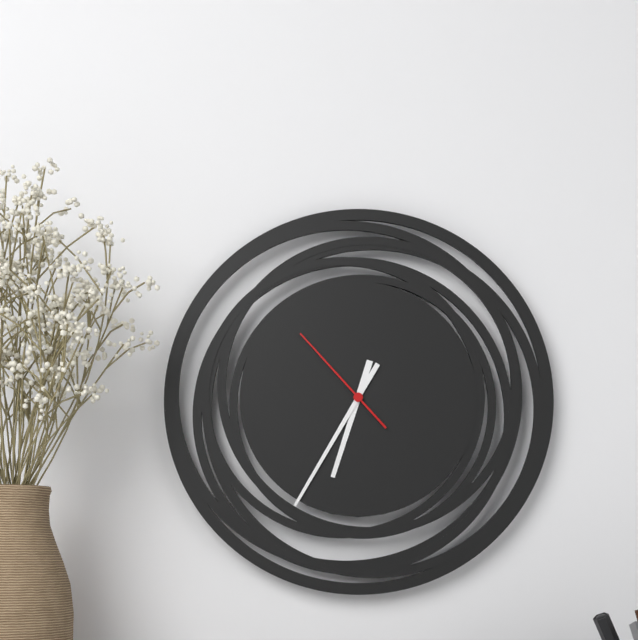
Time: 6h35m53s
